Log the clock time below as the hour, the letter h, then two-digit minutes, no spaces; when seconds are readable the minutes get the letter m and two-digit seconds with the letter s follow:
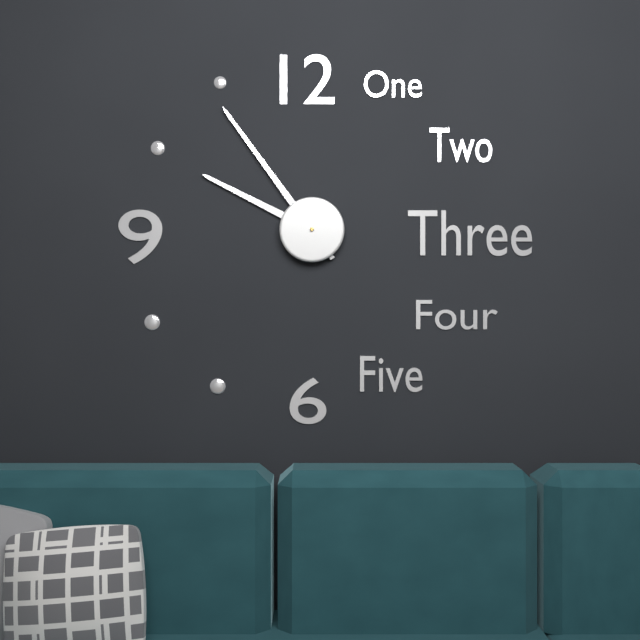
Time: 9h54
